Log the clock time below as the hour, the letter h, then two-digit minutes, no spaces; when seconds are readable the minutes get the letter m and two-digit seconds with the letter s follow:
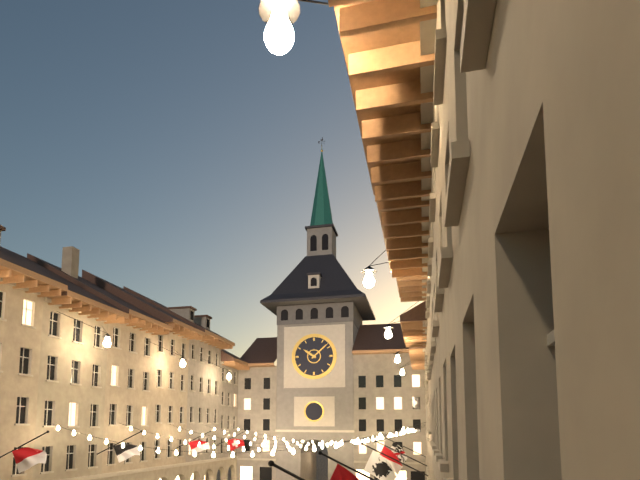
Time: 10h08
